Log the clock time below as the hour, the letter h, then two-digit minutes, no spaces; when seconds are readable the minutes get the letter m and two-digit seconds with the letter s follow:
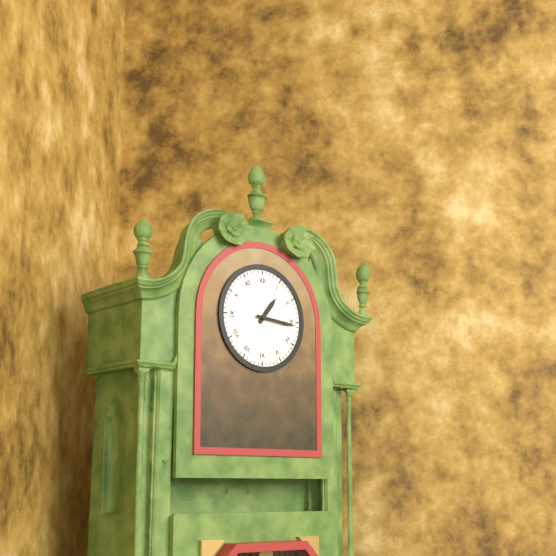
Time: 1h16
